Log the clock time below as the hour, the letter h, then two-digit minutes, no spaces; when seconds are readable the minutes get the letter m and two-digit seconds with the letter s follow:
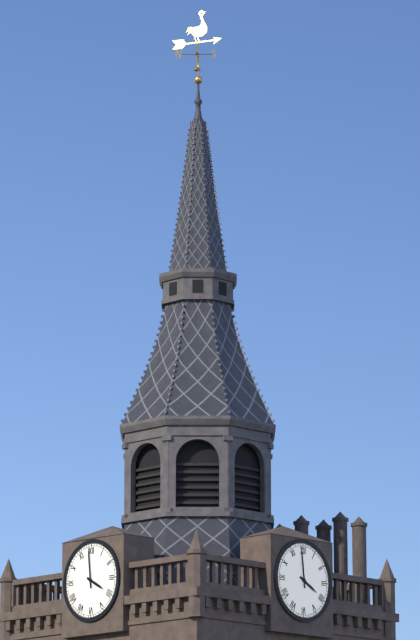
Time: 3h59
